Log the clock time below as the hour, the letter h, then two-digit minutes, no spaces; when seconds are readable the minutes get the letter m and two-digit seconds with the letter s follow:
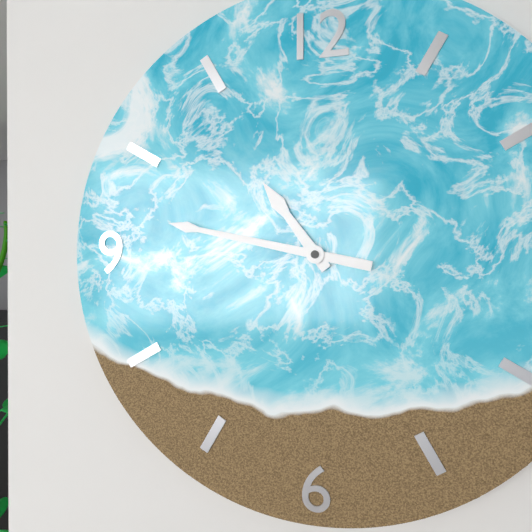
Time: 10h47
